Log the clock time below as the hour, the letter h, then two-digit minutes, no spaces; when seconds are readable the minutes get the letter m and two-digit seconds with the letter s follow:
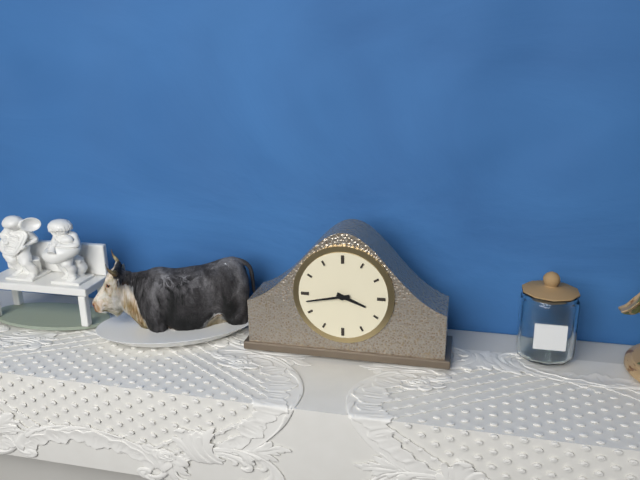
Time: 3h43
